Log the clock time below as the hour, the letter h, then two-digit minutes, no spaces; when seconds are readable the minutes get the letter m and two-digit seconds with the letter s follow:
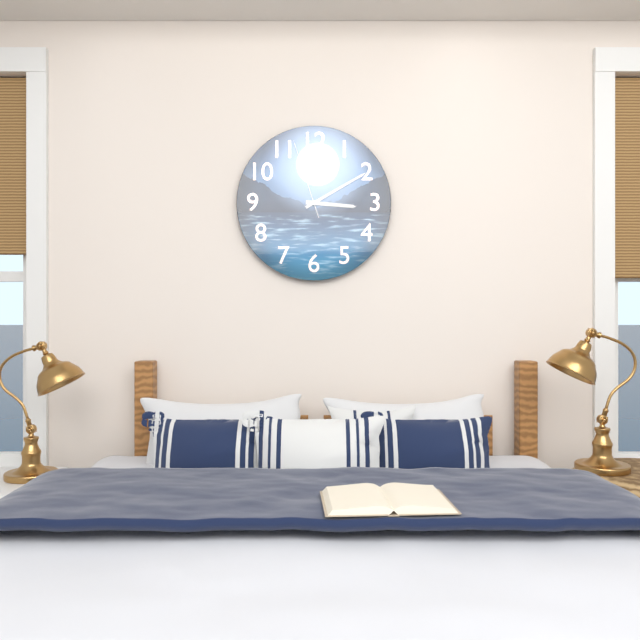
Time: 3h10m57s
